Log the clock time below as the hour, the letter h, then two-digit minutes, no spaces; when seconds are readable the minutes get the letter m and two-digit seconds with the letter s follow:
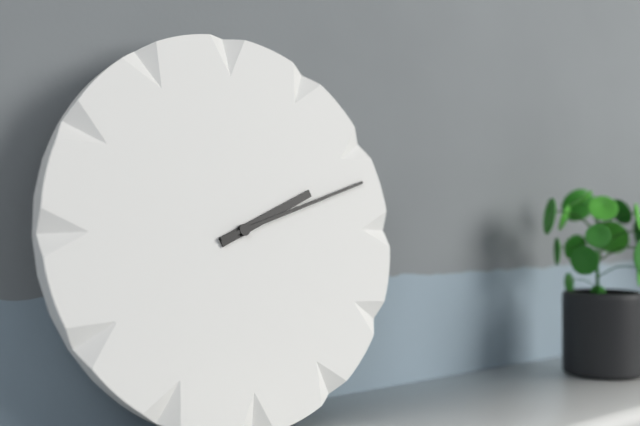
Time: 2h12
